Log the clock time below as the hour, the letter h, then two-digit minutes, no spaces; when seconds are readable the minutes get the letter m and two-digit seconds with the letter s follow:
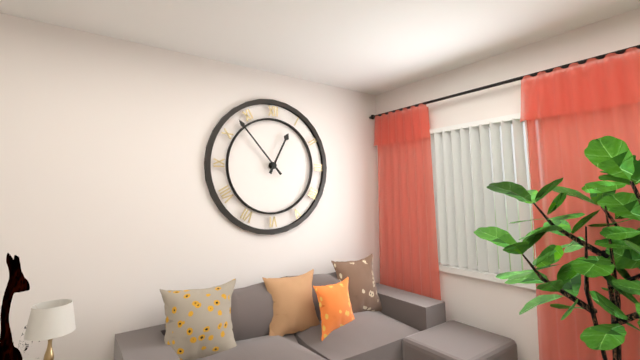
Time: 12h53
